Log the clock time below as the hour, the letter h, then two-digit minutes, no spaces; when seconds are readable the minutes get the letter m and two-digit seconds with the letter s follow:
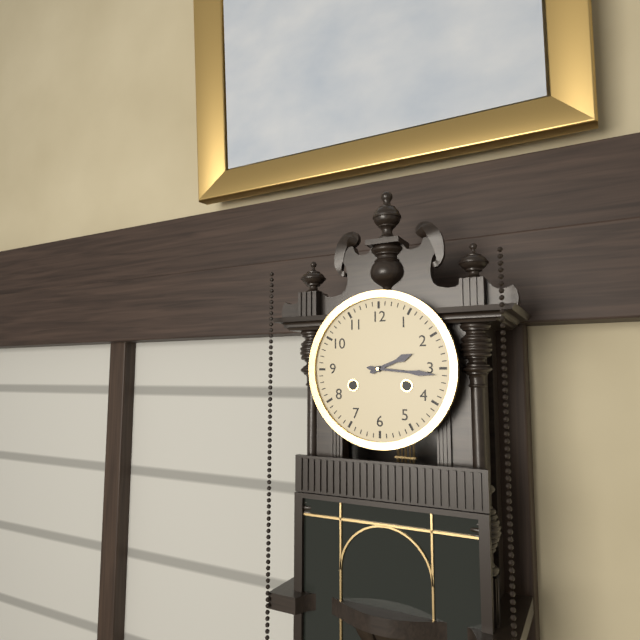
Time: 2h16
